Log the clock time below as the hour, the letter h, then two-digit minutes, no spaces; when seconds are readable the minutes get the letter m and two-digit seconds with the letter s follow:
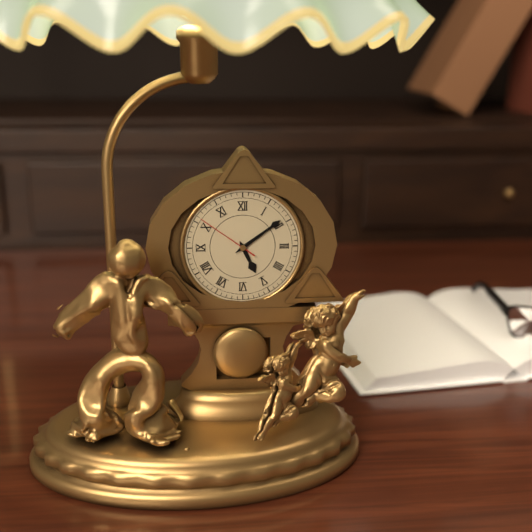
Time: 5h09m51s
